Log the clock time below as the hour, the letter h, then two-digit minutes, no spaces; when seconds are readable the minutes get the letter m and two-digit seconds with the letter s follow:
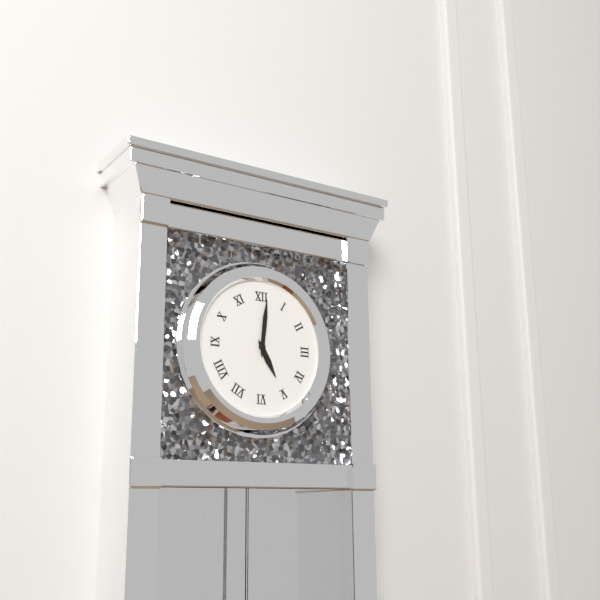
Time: 5h01
